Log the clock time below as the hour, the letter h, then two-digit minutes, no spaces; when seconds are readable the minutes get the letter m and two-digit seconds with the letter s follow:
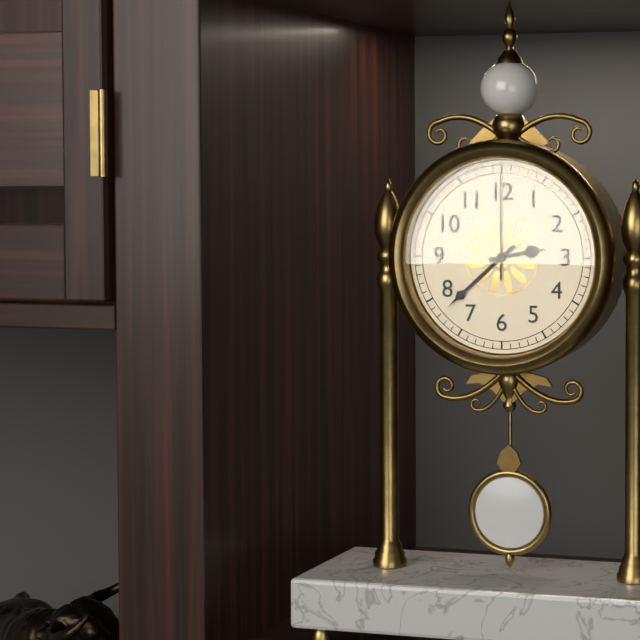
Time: 2h38m00s
